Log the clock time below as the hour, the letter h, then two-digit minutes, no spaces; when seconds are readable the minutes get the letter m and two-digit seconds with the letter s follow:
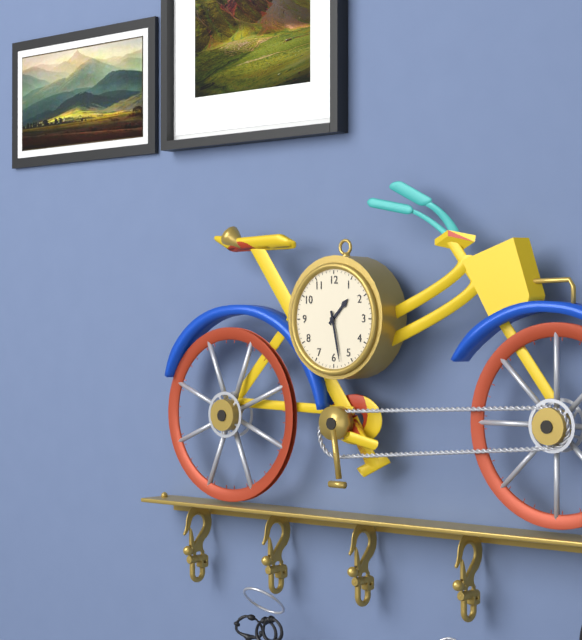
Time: 1h28
